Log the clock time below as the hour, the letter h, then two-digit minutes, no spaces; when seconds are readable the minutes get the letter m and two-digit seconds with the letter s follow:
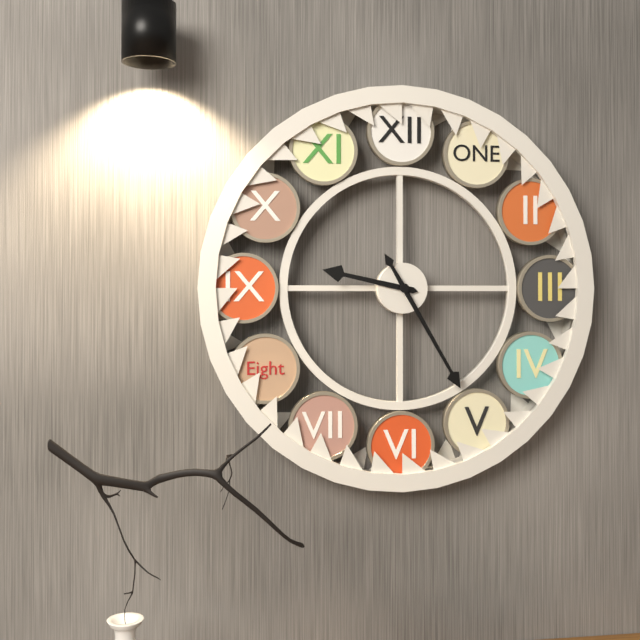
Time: 9h25
